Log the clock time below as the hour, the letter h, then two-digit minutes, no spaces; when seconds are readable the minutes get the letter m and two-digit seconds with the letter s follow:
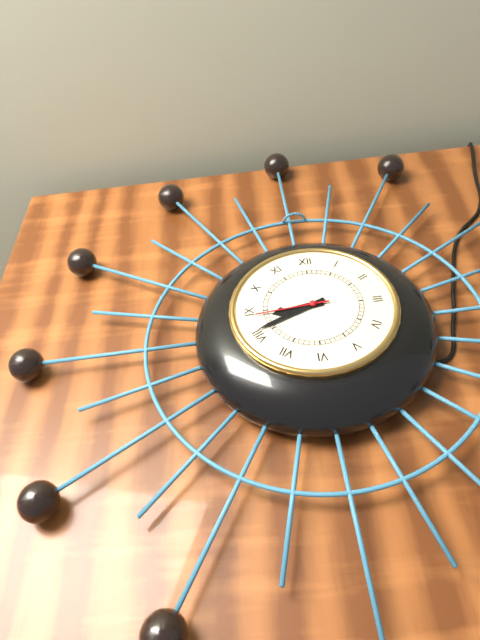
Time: 8h41m44s
